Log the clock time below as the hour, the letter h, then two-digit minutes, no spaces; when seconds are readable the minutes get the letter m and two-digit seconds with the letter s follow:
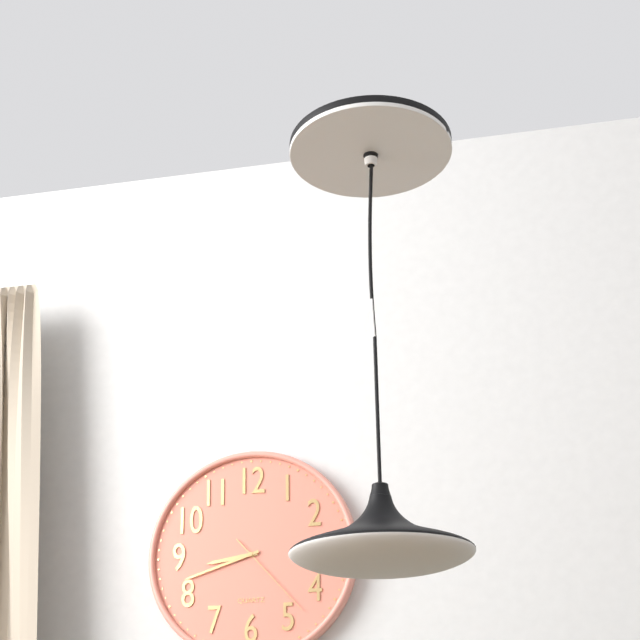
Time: 8h42m23s
